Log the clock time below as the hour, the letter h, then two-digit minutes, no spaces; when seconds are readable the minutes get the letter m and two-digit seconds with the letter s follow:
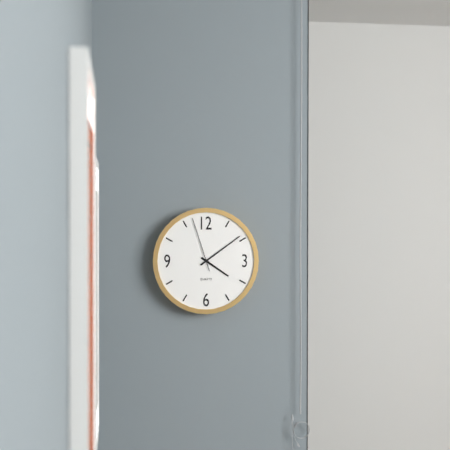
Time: 4h09m57s
